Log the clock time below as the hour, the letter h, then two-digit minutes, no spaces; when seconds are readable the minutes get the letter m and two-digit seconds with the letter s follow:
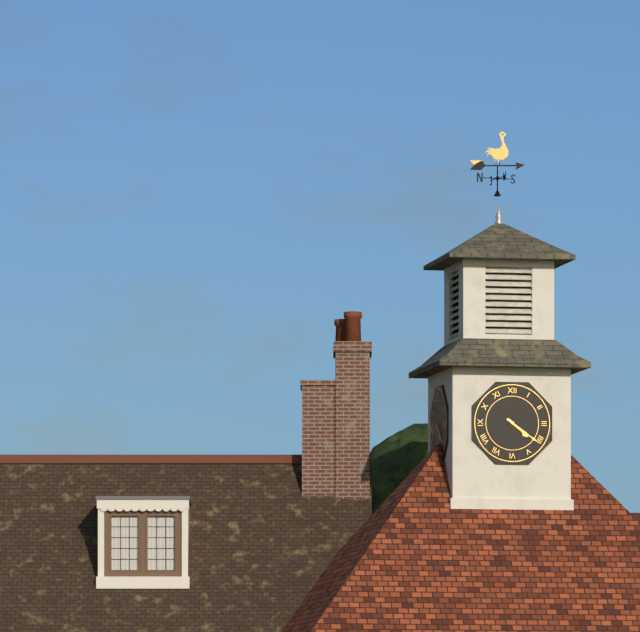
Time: 4h21
